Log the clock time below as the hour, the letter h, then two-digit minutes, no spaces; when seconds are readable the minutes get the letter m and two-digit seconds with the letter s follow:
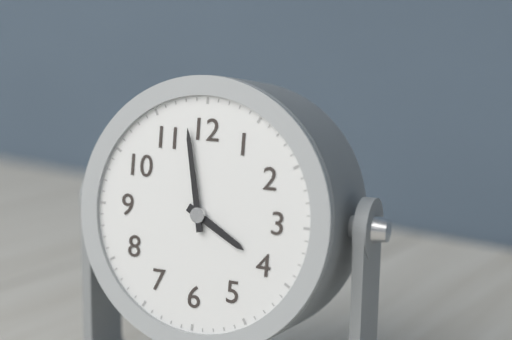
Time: 3h58
